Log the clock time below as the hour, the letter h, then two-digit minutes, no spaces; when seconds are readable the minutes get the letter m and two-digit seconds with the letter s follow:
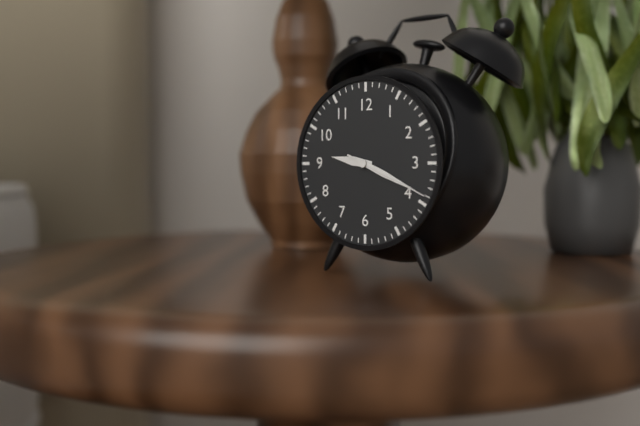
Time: 9h19m19s
